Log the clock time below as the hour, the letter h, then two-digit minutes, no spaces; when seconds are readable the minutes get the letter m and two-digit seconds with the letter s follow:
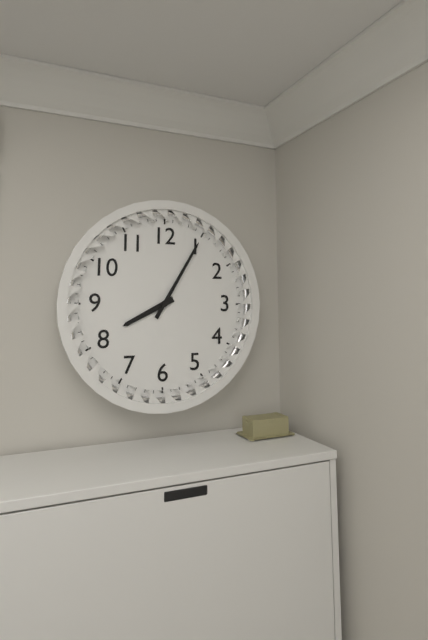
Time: 8h05
